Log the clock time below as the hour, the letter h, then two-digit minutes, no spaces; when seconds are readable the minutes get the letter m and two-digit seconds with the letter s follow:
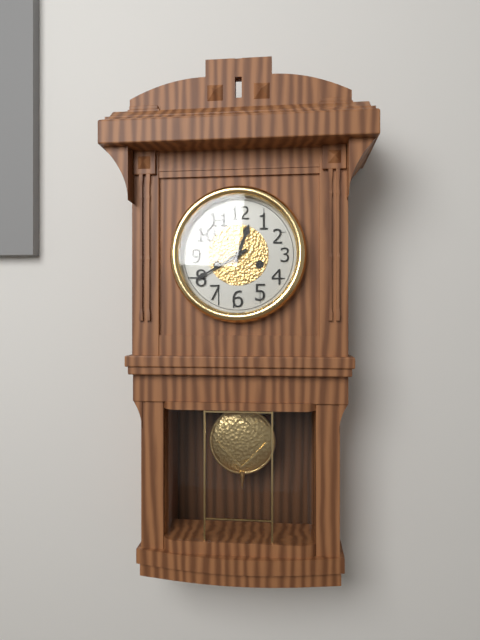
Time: 12h40
